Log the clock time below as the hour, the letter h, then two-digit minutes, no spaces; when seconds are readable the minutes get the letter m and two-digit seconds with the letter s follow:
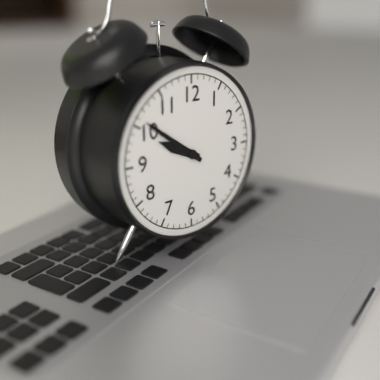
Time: 9h51
